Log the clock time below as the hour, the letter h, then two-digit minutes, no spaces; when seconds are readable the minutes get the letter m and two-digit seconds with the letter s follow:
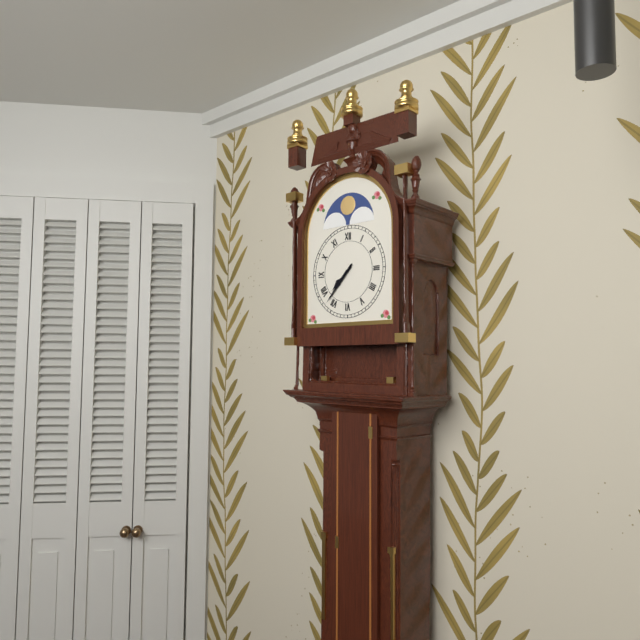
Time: 7h37
